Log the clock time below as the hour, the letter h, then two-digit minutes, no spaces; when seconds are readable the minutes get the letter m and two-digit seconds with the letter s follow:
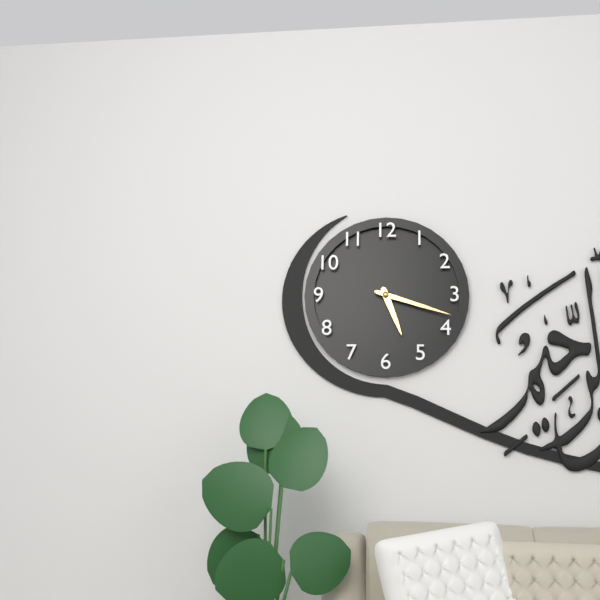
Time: 5h18
